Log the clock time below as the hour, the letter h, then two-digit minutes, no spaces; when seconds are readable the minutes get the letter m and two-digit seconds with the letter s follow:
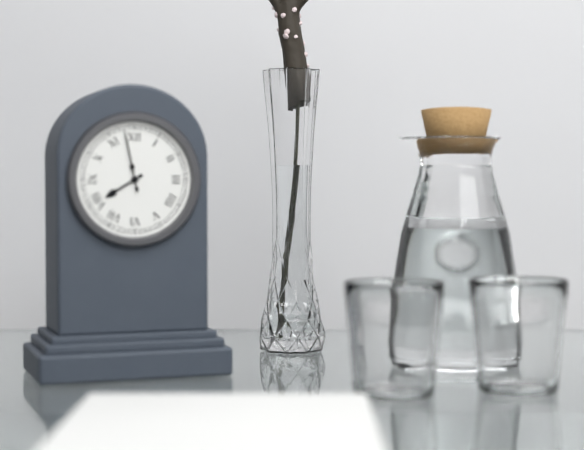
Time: 7h58
